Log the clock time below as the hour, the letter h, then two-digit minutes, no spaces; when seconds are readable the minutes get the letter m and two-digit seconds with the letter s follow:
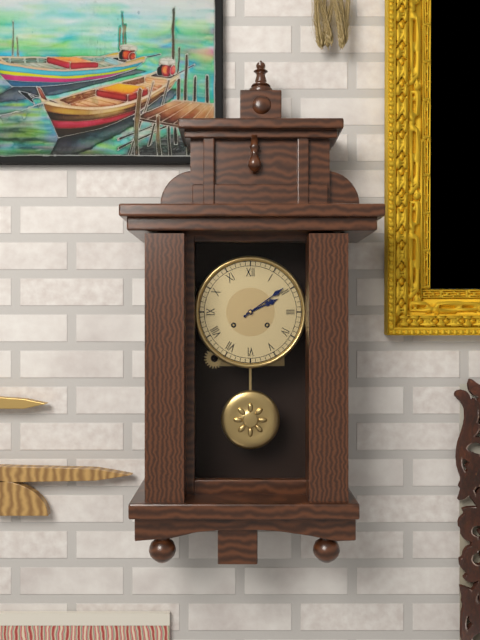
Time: 2h09
